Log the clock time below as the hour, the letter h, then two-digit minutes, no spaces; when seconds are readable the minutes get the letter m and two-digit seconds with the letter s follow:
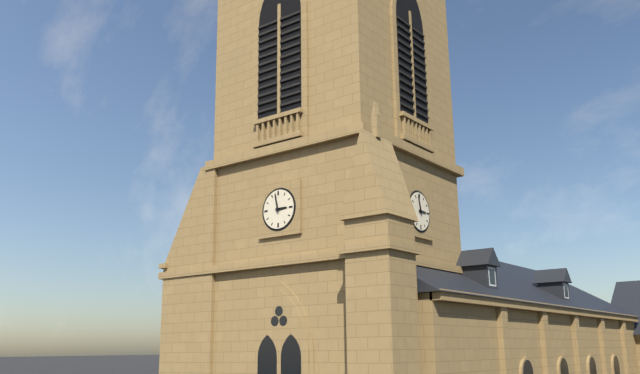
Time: 2h58
